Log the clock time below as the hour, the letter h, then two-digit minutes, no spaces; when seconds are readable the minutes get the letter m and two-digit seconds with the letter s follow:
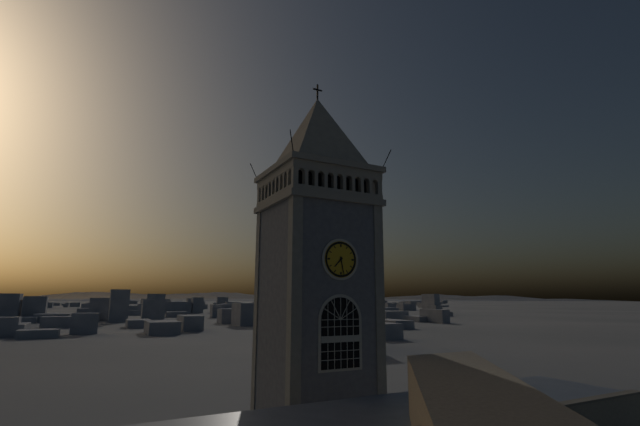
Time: 7h28
